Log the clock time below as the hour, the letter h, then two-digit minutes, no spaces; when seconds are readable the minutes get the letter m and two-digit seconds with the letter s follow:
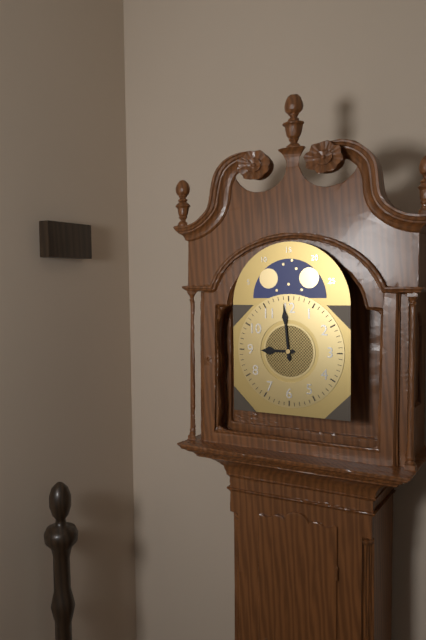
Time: 8h59
